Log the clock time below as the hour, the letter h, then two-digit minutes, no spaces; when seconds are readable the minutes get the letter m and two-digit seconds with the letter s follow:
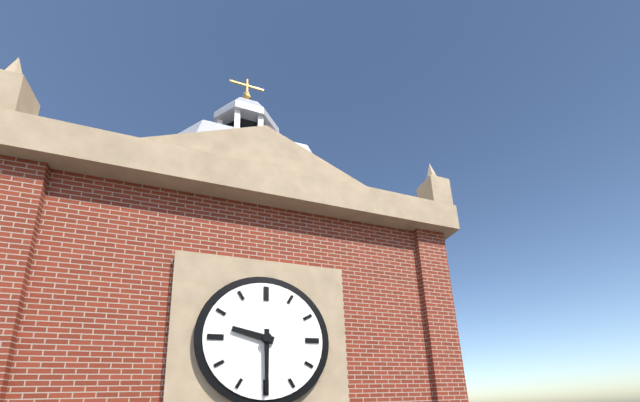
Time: 9h30
